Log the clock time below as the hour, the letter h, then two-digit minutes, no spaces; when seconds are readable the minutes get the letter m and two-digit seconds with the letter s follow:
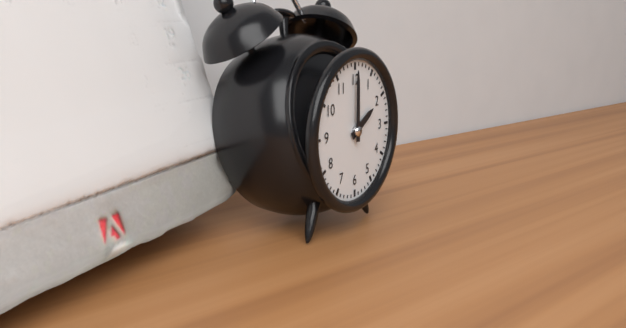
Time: 2h00
